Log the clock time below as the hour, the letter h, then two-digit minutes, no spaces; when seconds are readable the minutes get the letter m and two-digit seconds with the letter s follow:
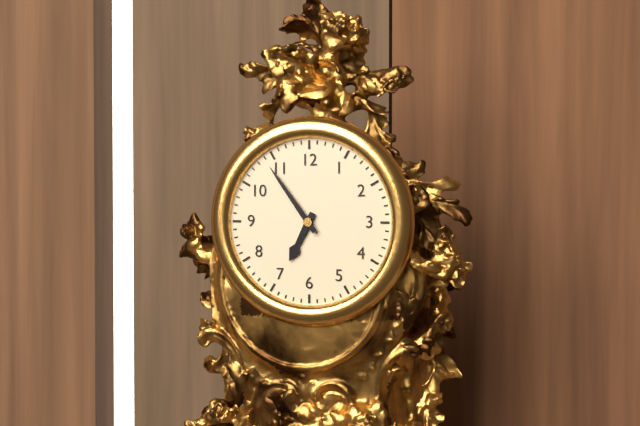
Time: 6h54
